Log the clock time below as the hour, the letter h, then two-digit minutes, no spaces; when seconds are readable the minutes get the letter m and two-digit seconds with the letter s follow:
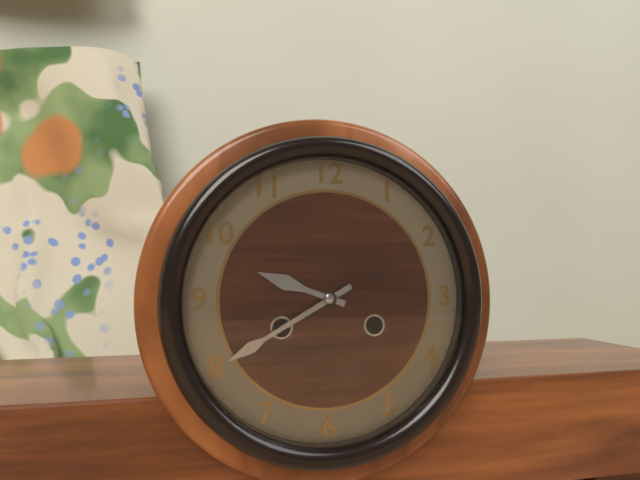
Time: 9h40
